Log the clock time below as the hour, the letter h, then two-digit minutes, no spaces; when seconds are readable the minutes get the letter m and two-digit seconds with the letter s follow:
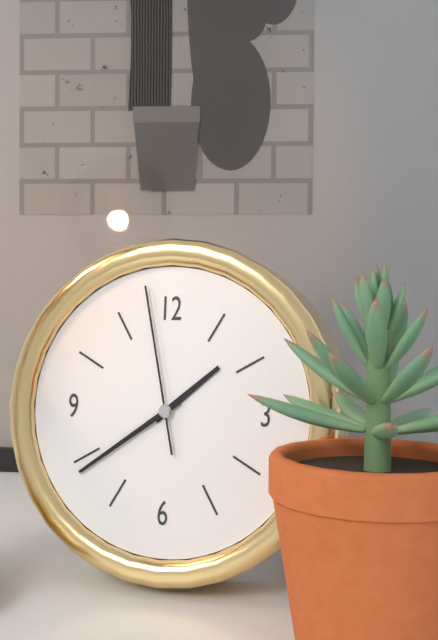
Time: 1h39m58s
